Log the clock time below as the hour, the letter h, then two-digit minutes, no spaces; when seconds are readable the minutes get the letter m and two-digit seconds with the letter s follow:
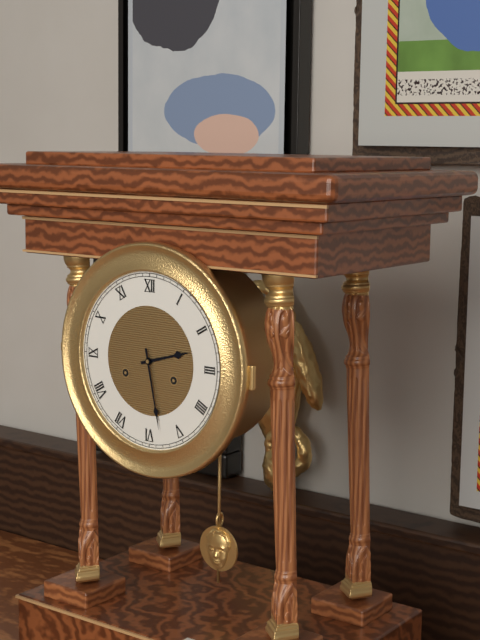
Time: 2h28
